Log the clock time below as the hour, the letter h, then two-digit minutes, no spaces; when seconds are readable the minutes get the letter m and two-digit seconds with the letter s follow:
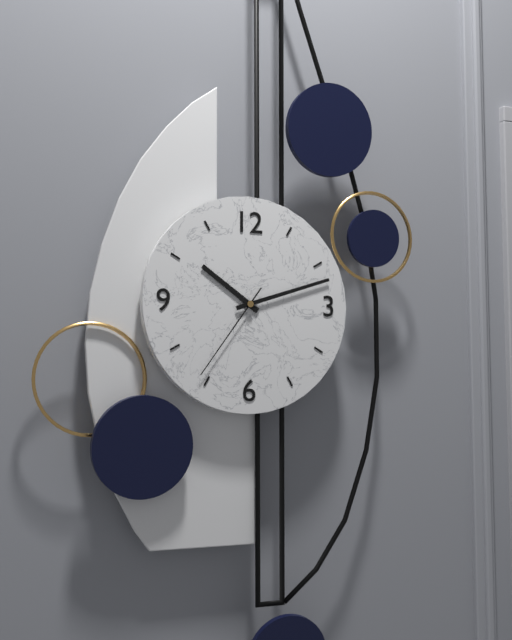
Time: 10h12m36s
